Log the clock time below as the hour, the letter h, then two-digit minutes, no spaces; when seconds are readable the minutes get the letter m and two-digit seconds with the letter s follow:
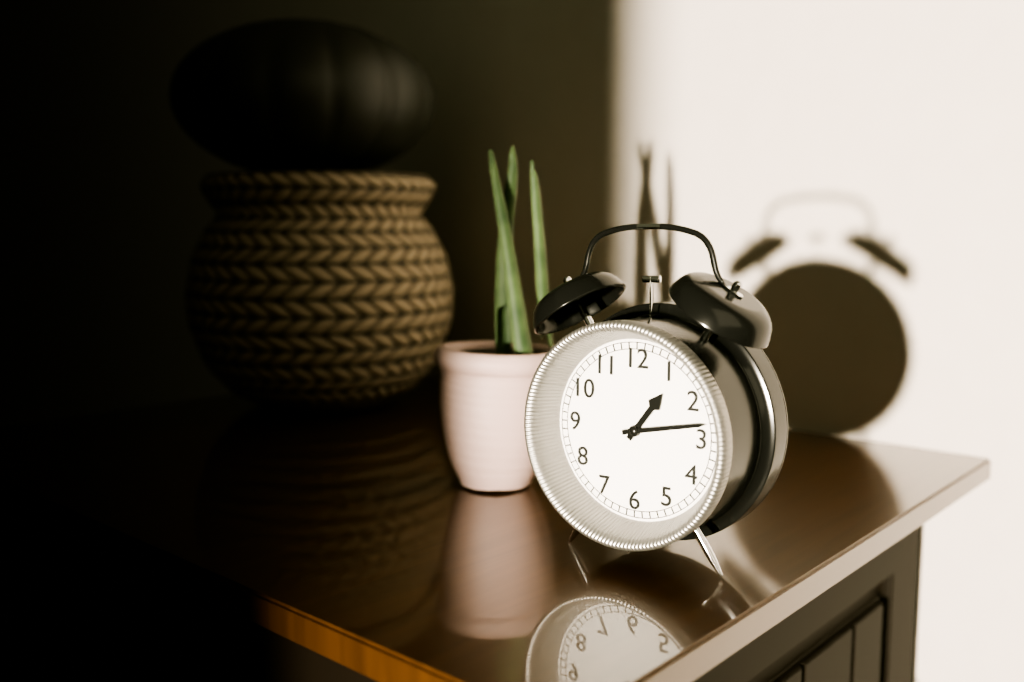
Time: 1h13
